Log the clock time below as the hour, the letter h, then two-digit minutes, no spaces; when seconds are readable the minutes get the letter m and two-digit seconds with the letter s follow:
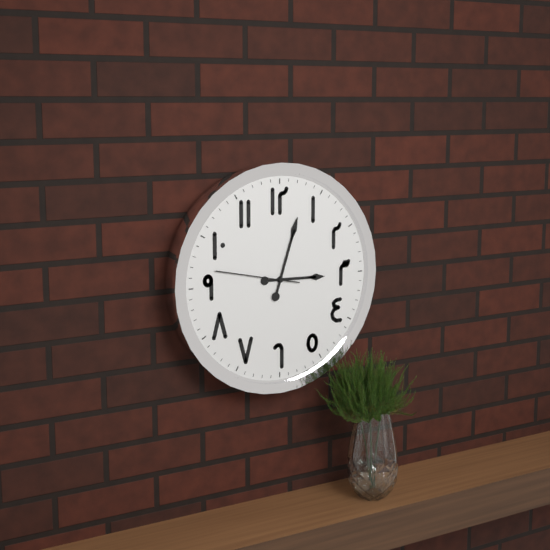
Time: 3h03m47s
